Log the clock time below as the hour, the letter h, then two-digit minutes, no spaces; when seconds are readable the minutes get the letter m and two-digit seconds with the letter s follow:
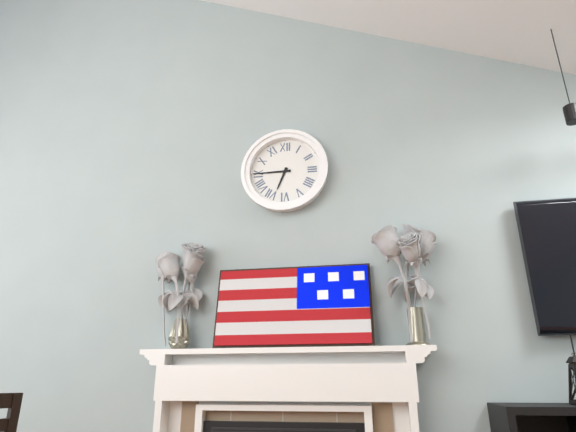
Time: 6h45
